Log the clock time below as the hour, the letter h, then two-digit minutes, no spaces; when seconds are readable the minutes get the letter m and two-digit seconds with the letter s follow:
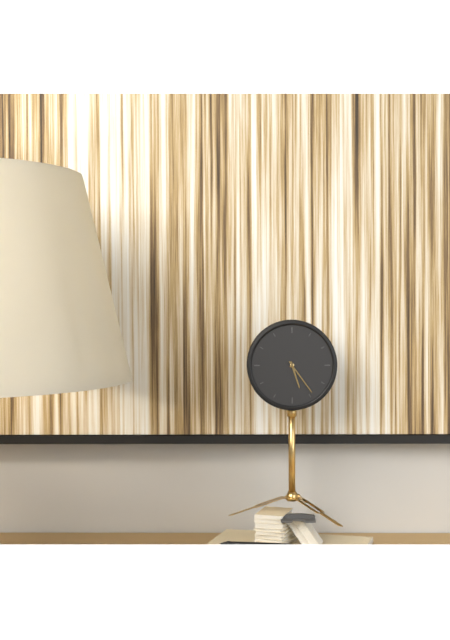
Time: 5h24
